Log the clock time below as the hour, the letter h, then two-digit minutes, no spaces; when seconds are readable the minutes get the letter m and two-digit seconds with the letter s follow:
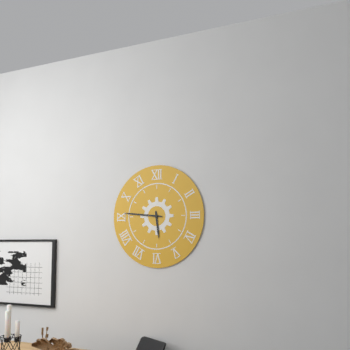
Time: 5h46
